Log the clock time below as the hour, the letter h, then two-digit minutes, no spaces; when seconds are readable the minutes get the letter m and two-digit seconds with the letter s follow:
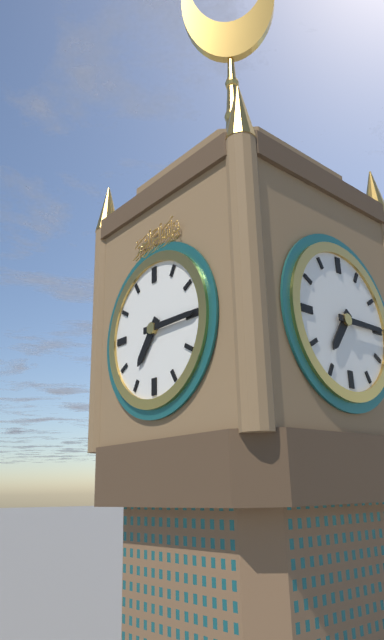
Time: 7h15
